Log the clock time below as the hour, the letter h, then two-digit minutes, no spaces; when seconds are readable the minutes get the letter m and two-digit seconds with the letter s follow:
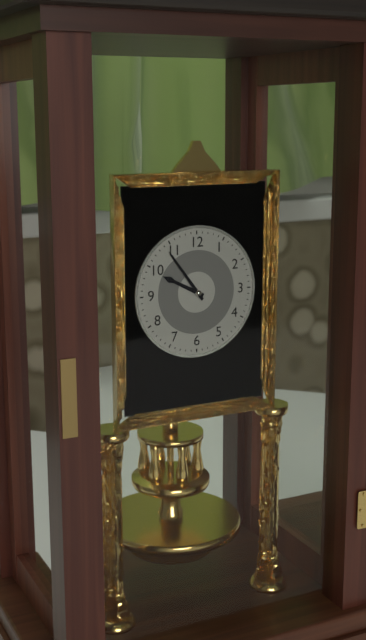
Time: 9h54
